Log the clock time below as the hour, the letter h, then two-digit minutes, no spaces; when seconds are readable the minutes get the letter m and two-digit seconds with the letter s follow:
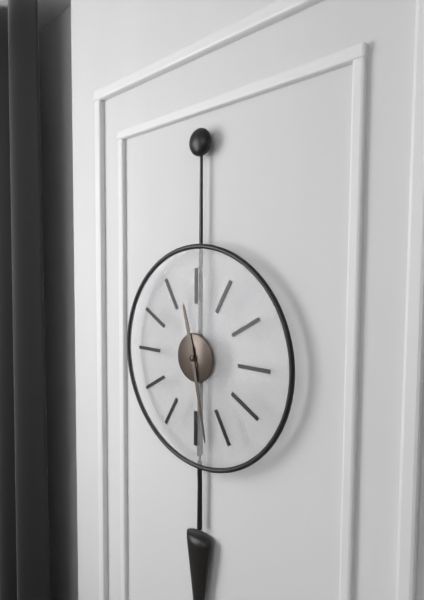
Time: 11h28
